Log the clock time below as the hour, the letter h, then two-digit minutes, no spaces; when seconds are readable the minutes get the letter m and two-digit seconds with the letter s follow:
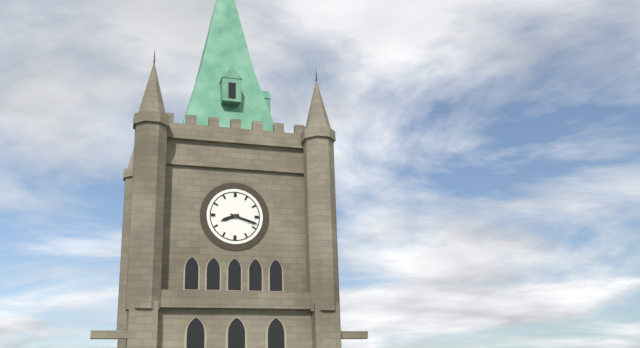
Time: 8h18
